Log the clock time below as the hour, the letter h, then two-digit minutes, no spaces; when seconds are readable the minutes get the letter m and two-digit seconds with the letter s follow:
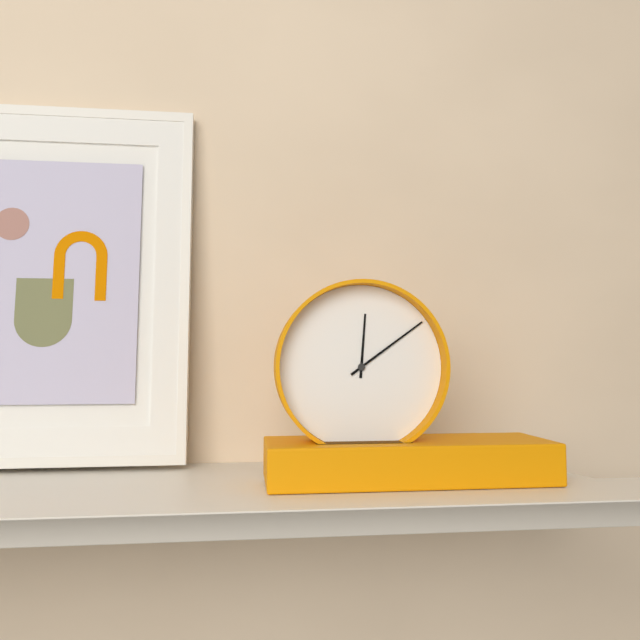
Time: 12h09
